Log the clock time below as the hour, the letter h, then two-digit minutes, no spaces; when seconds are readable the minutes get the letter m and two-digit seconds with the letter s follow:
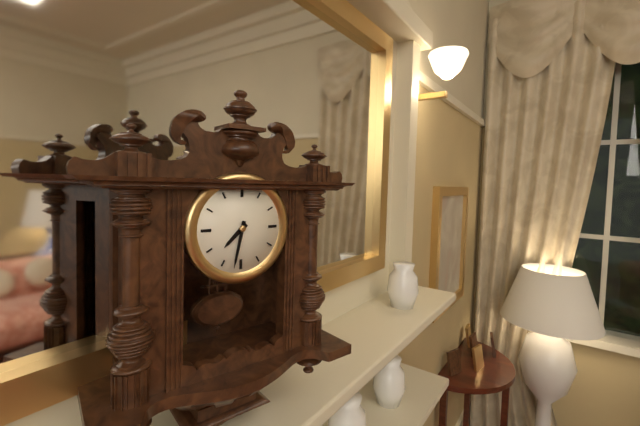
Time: 7h32
